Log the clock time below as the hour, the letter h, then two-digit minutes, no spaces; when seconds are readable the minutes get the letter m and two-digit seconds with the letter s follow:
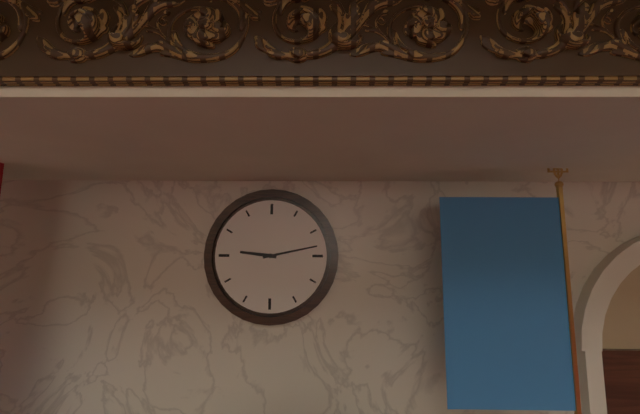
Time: 9h13
